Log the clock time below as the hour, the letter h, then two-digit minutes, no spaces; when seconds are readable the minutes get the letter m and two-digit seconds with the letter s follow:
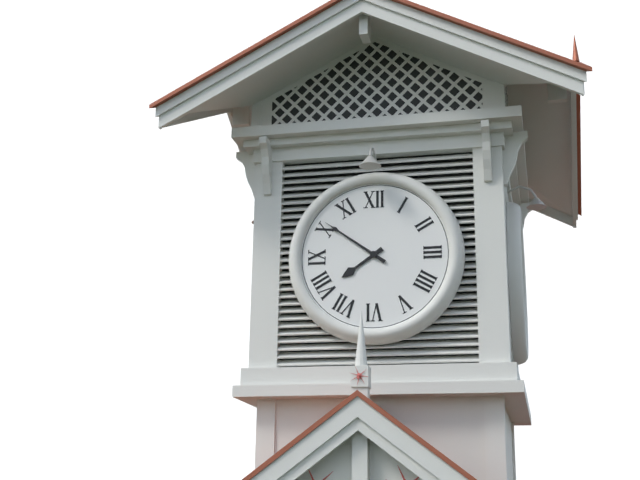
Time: 7h51
